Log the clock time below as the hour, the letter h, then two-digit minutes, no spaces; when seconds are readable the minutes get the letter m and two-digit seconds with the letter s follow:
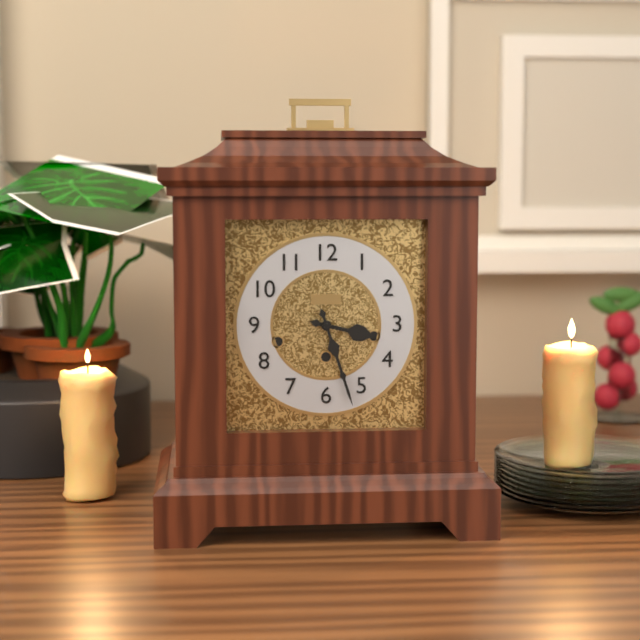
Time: 3h27
